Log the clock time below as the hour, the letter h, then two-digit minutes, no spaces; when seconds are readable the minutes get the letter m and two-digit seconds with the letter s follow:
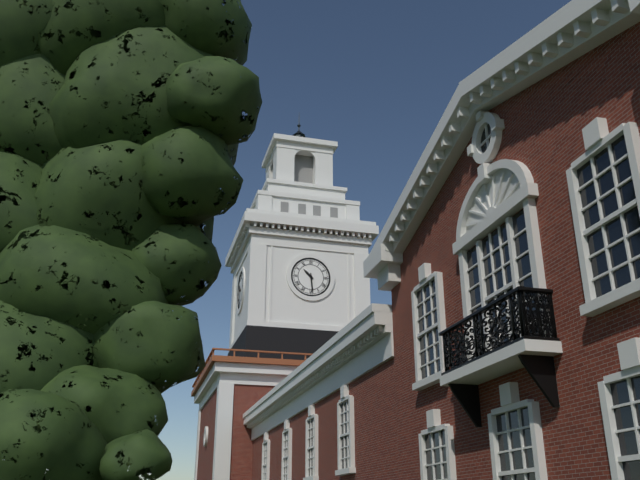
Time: 10h29
